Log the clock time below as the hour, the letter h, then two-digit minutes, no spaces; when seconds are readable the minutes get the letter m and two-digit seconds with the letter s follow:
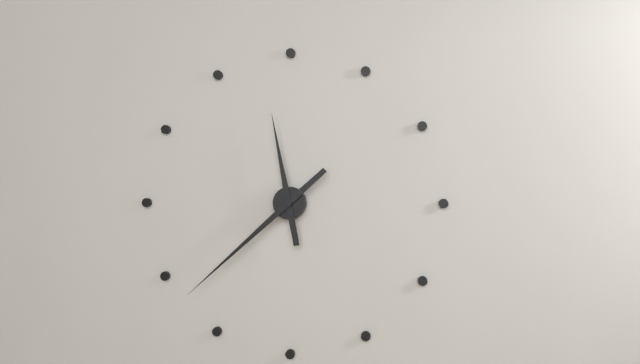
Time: 11h38
